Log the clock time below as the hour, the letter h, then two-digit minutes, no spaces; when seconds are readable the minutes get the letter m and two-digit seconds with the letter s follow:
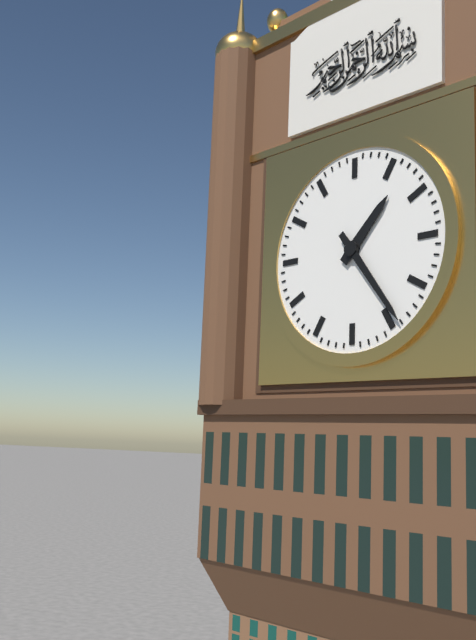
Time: 1h24
